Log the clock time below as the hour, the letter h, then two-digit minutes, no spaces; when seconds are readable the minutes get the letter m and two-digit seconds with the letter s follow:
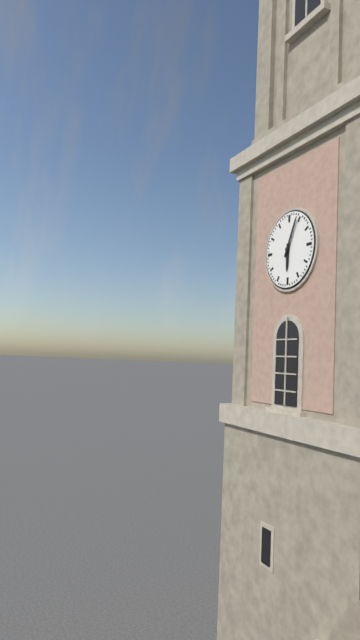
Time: 6h04
